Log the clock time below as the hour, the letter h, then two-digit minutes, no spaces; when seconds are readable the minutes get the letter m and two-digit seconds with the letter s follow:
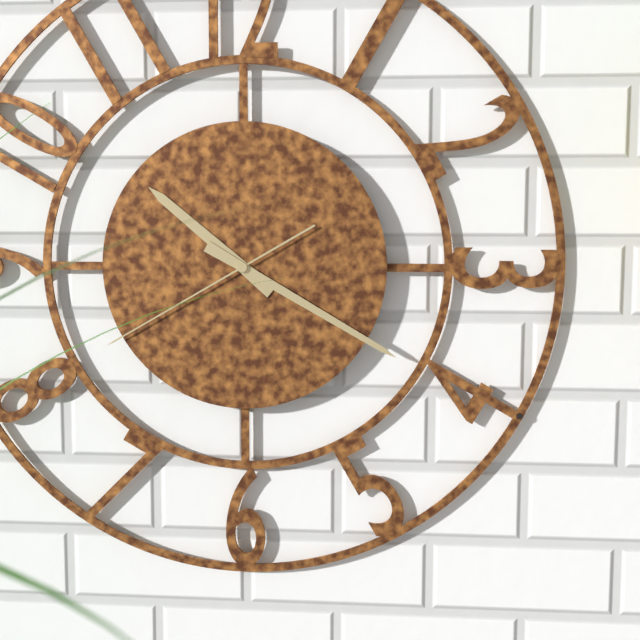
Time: 10h20m40s
